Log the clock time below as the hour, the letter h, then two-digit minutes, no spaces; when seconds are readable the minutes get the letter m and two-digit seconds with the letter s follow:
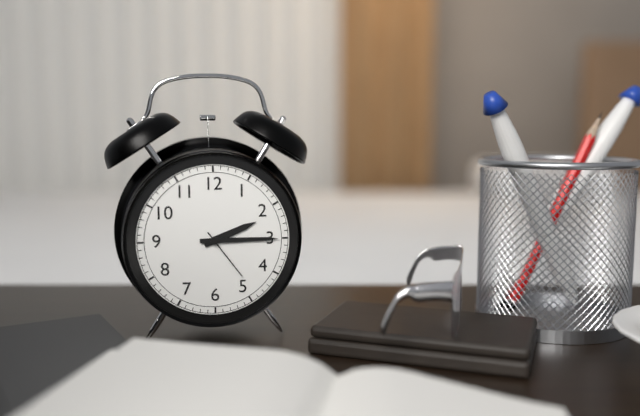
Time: 2h15m24s
